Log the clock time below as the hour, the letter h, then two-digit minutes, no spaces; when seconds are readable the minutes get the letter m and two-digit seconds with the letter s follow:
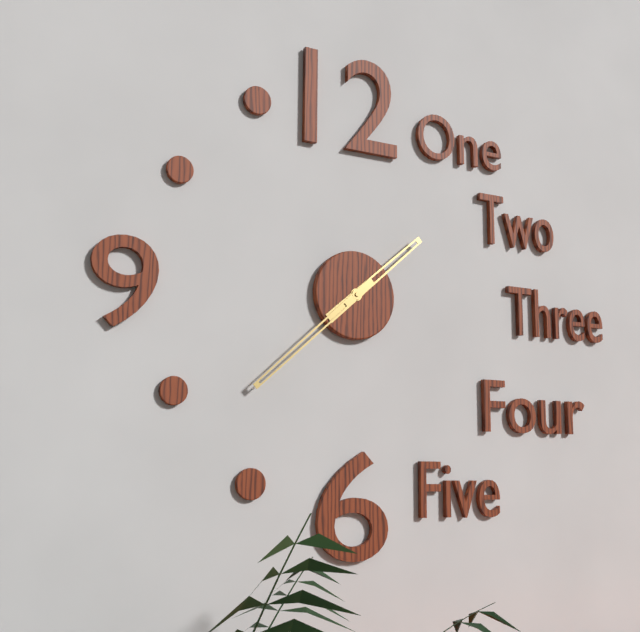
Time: 1h38
